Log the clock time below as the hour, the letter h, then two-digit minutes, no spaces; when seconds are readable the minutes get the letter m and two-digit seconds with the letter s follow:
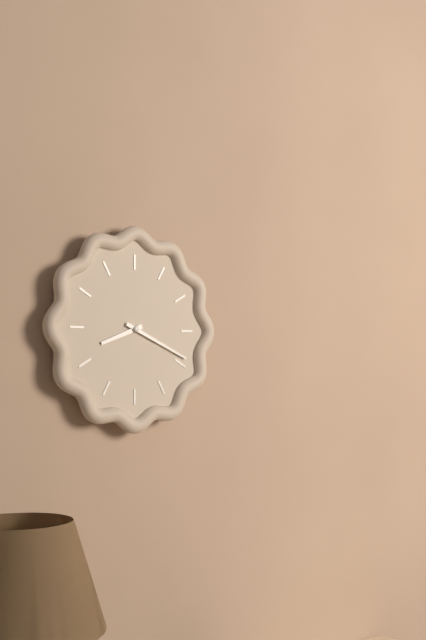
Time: 8h19
